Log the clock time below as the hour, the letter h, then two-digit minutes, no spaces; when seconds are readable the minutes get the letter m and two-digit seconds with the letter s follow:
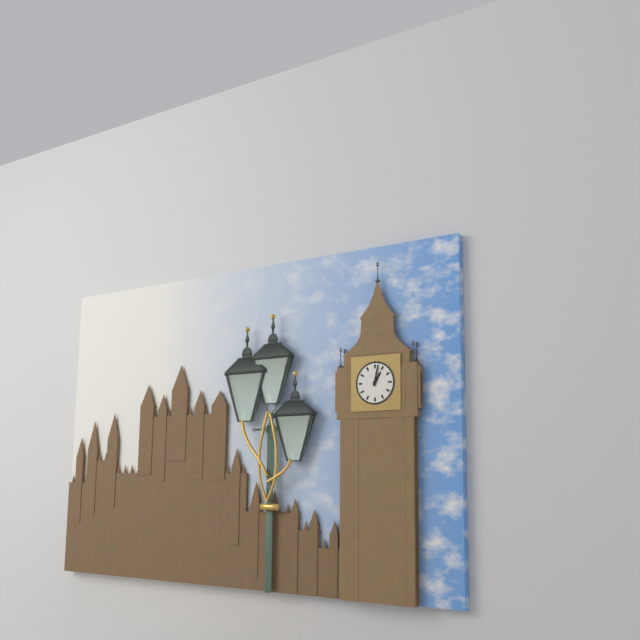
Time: 1h02
